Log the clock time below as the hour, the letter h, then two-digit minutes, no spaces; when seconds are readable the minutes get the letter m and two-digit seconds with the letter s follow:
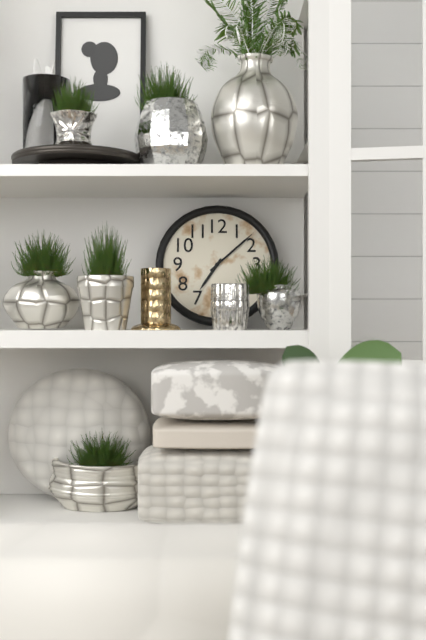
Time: 7h08
